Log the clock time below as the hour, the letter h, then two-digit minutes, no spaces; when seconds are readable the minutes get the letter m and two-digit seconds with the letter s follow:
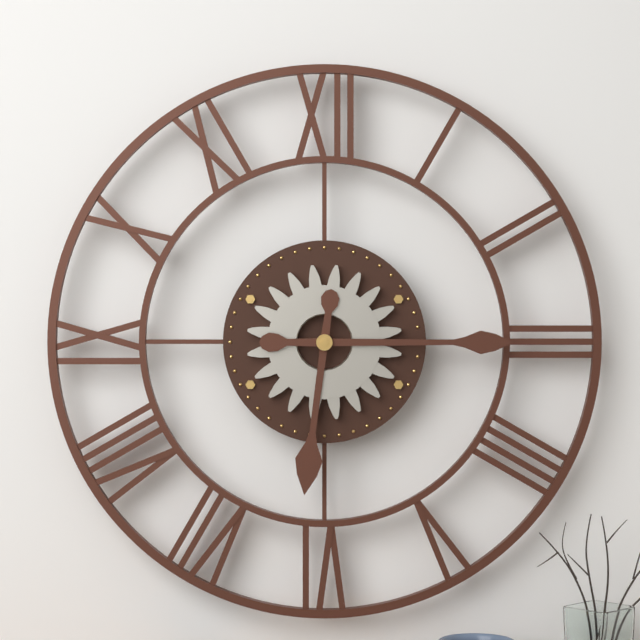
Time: 6h15
